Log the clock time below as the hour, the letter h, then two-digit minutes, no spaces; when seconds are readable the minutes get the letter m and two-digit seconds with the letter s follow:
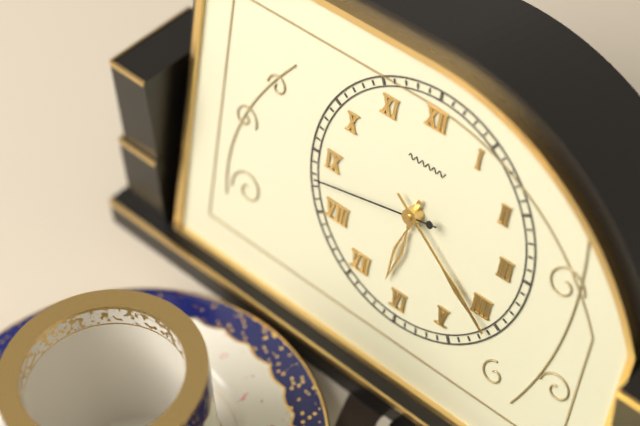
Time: 6h21m43s
